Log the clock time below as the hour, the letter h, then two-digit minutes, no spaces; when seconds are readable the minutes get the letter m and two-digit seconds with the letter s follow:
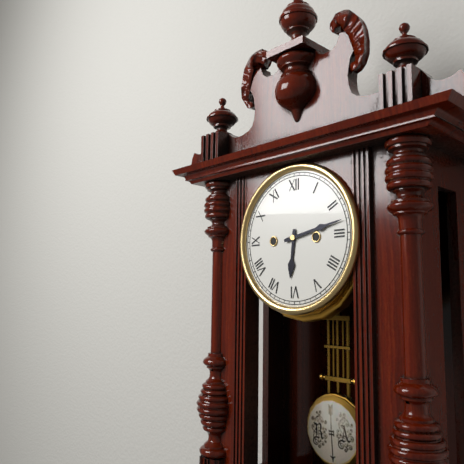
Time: 6h13
